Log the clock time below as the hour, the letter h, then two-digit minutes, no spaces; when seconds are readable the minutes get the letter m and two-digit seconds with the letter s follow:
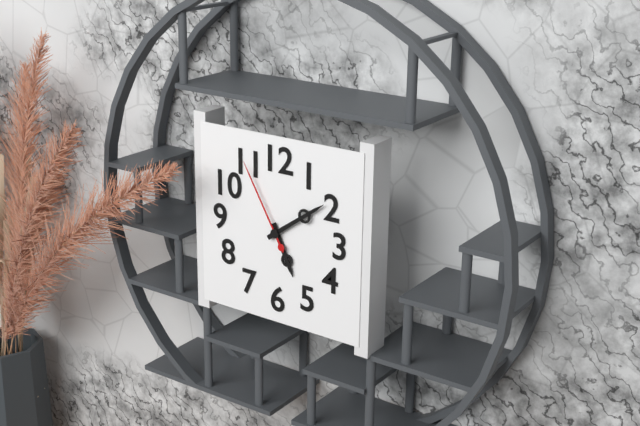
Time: 5h09m55s
